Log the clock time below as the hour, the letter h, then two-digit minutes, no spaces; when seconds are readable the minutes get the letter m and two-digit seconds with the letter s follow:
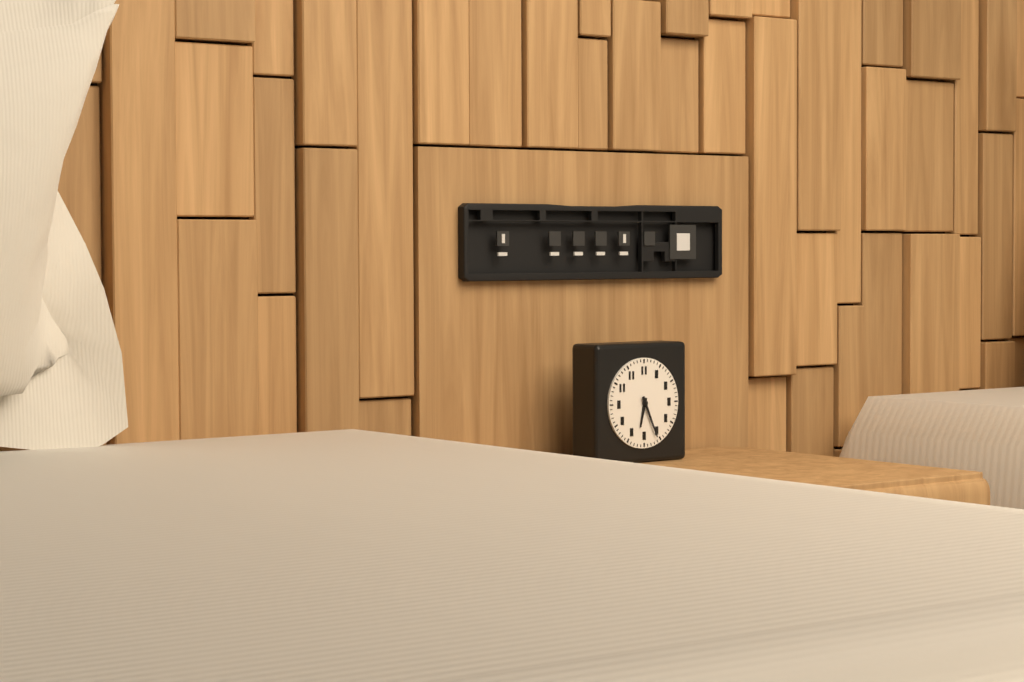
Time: 6h26
